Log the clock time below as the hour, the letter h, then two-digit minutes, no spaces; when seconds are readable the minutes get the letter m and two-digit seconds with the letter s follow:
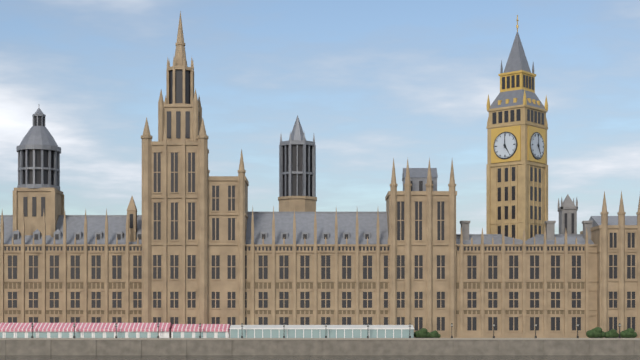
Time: 5h00
